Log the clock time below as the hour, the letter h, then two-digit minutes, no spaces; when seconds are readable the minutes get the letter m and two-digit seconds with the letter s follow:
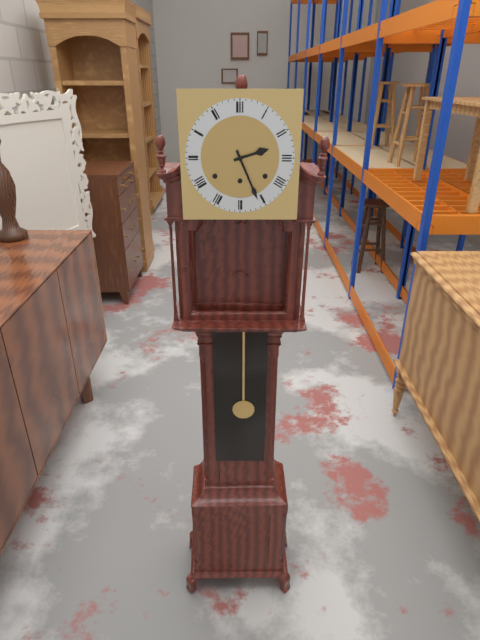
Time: 2h26
